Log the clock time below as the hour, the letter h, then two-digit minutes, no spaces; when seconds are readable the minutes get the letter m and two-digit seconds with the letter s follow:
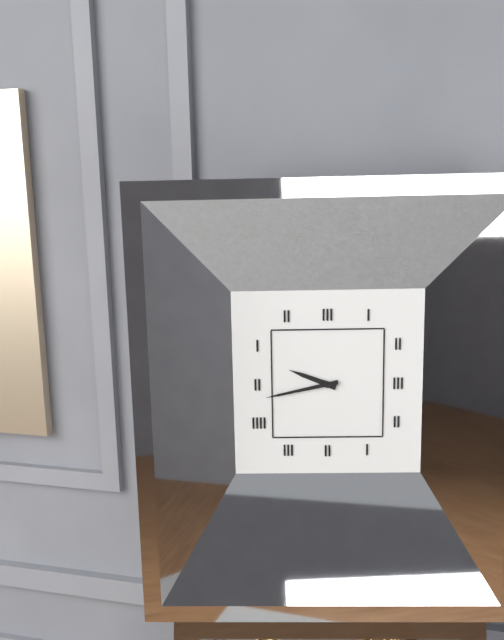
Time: 9h43
